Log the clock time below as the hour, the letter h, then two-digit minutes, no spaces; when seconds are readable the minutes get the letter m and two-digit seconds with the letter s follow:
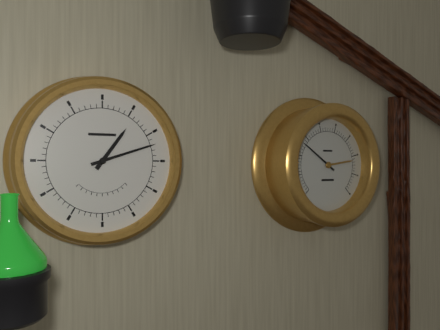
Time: 1h12
